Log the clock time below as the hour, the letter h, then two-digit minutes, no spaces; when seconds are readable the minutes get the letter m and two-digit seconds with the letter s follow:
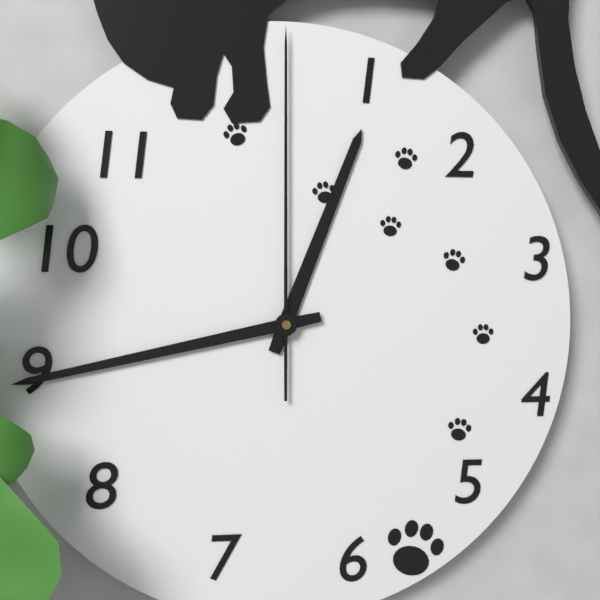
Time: 12h43m00s
